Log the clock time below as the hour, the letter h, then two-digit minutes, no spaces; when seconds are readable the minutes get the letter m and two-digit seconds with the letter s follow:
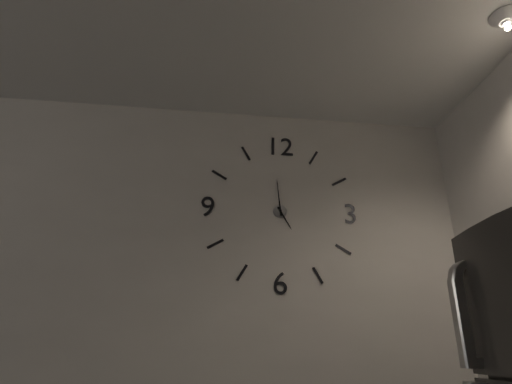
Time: 4h59
